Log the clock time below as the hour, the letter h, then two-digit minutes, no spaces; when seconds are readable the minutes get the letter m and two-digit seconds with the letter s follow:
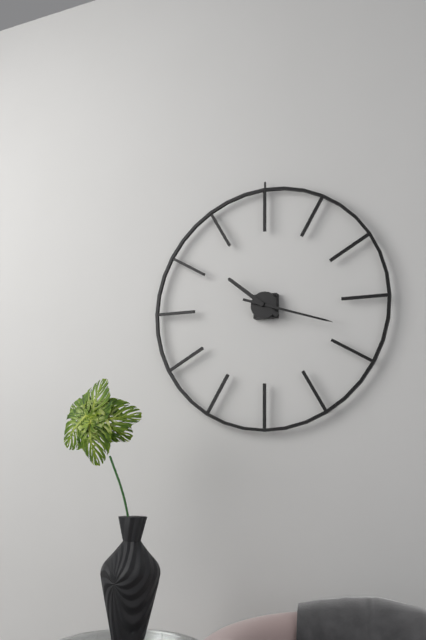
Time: 10h18
